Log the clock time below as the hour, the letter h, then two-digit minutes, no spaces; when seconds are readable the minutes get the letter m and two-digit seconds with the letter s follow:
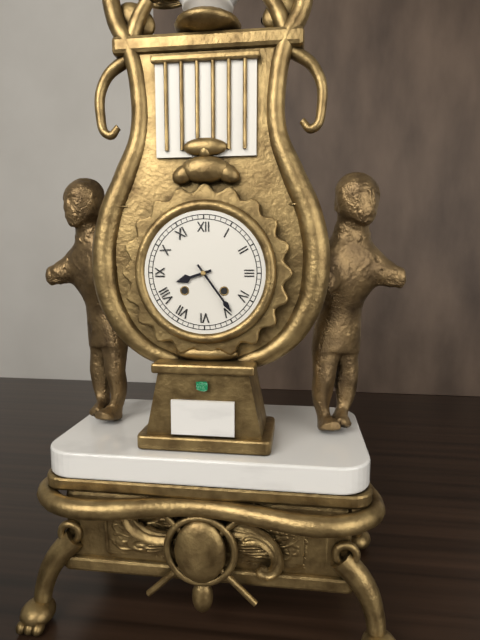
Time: 8h24
